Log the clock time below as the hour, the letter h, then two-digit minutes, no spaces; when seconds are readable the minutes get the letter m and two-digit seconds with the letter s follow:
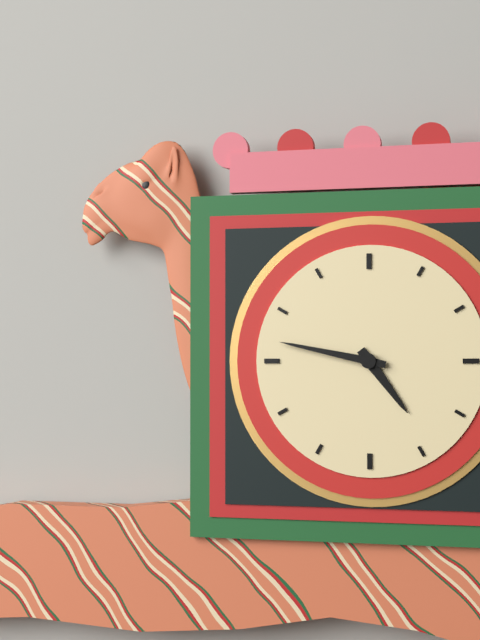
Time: 4h47
